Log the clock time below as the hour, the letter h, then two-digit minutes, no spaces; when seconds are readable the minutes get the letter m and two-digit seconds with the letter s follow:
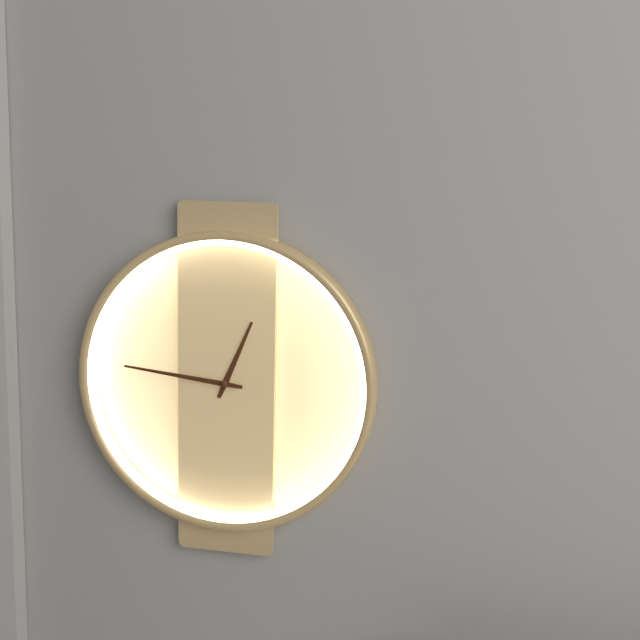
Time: 12h46
